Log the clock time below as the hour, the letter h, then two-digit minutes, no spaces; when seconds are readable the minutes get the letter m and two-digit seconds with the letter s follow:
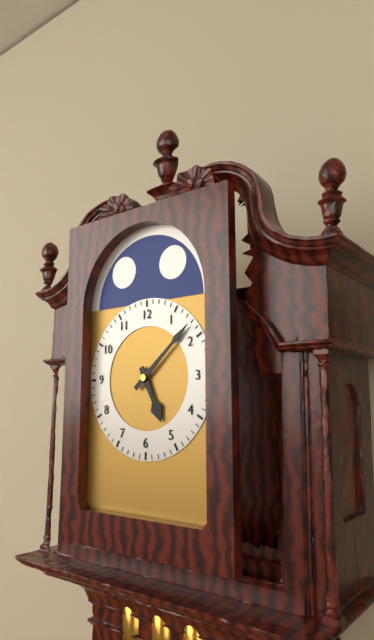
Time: 5h08
